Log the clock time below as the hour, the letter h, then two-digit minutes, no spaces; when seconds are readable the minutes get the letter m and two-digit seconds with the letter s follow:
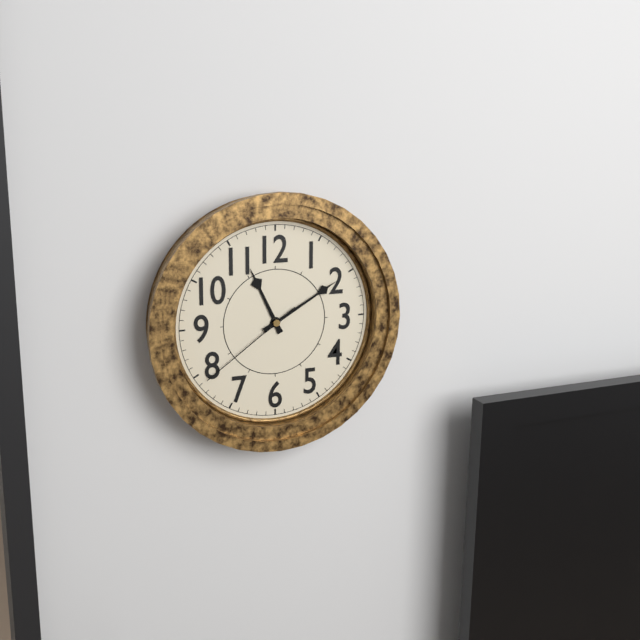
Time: 11h10m39s
